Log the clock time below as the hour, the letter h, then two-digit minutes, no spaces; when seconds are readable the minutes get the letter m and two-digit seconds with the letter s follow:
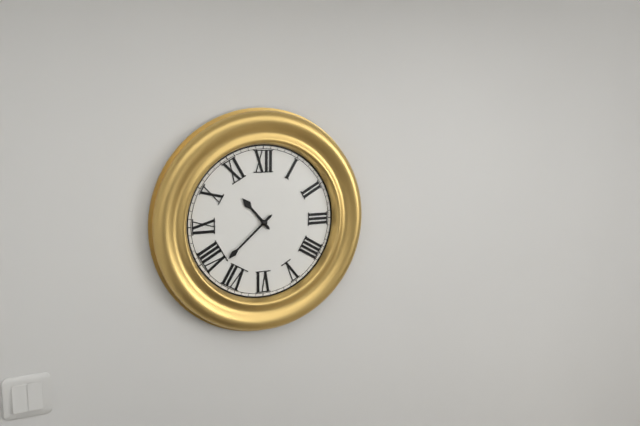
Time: 10h38
